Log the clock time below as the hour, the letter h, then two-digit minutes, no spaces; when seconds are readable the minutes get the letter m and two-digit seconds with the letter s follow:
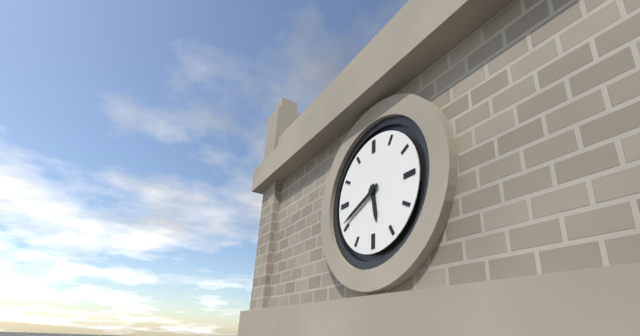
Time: 5h41
